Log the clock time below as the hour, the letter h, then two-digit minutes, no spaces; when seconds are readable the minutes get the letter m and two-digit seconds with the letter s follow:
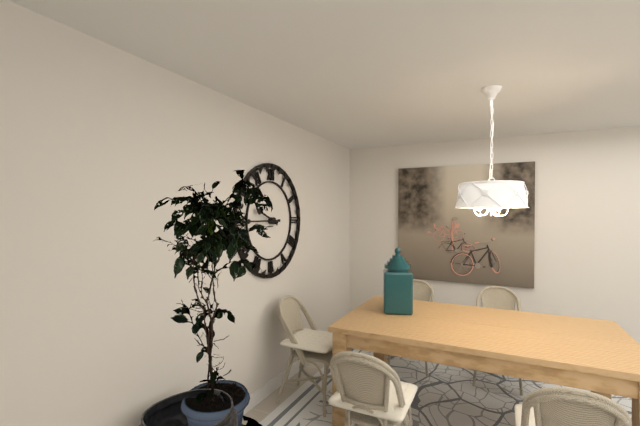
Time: 9h45
